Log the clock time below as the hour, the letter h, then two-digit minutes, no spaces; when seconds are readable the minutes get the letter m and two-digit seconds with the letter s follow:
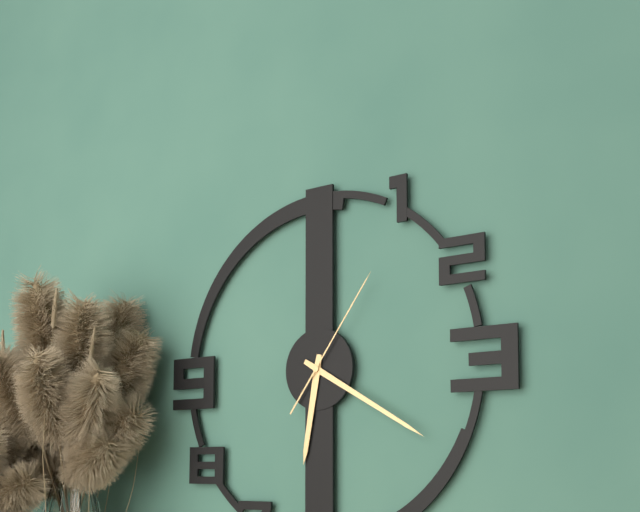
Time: 6h20m06s
